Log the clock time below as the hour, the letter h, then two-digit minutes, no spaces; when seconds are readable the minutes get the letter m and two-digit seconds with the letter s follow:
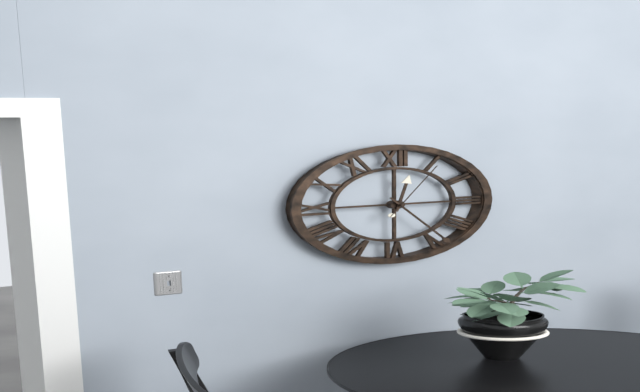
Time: 12h24m05s
